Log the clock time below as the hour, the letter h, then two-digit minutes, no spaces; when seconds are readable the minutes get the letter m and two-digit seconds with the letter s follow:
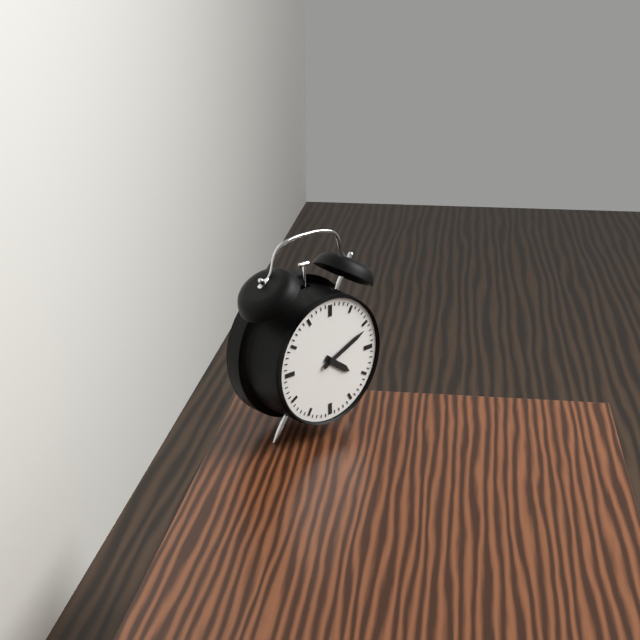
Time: 4h11
